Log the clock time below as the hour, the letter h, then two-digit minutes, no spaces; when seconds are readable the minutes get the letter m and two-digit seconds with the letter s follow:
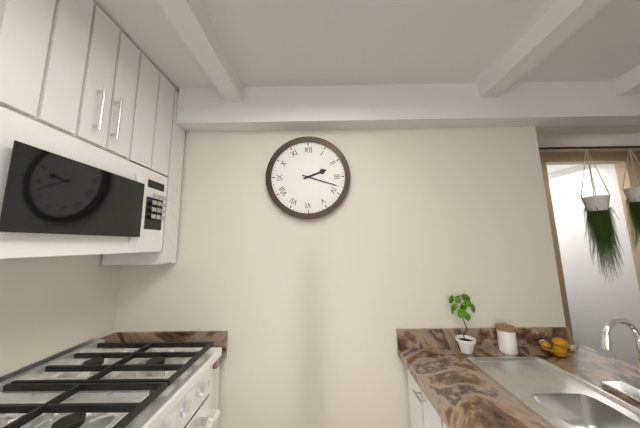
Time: 2h18
